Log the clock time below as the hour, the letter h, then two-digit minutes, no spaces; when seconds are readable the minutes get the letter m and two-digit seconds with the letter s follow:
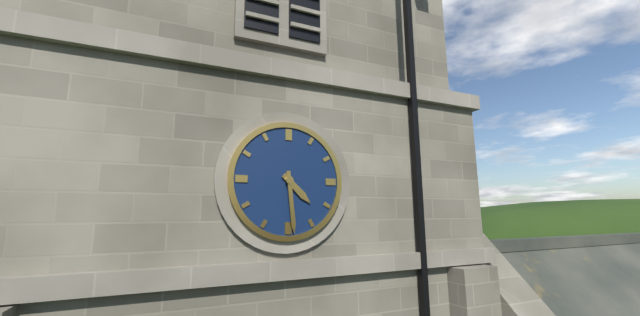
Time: 4h29
